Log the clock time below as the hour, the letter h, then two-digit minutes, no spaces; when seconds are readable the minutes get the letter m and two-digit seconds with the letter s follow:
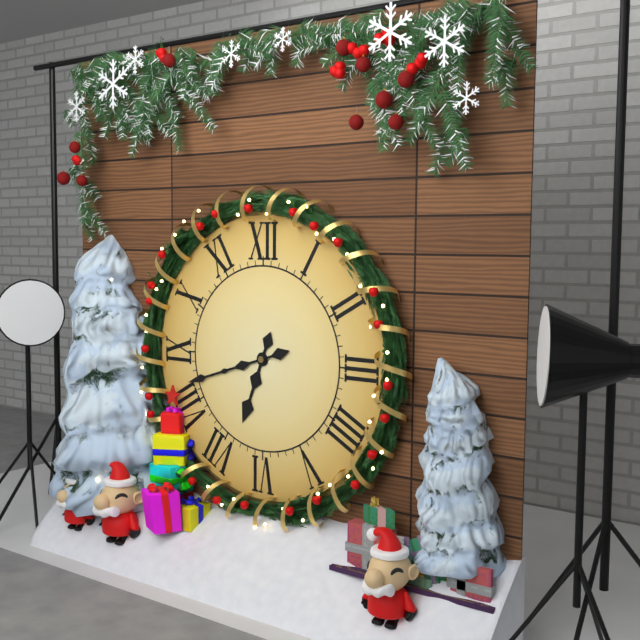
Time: 6h42
